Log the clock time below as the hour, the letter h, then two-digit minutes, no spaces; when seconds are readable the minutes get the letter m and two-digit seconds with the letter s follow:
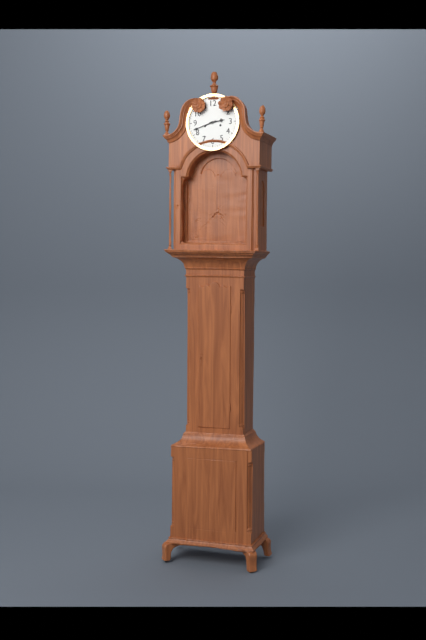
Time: 2h42
